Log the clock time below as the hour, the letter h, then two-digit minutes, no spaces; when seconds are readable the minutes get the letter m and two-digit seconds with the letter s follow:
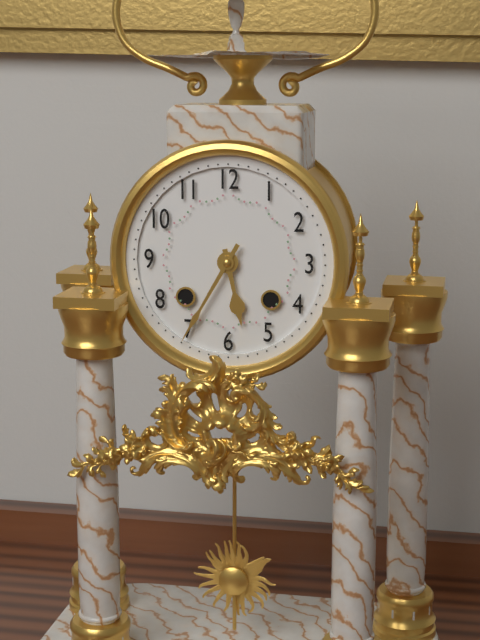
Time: 5h35
